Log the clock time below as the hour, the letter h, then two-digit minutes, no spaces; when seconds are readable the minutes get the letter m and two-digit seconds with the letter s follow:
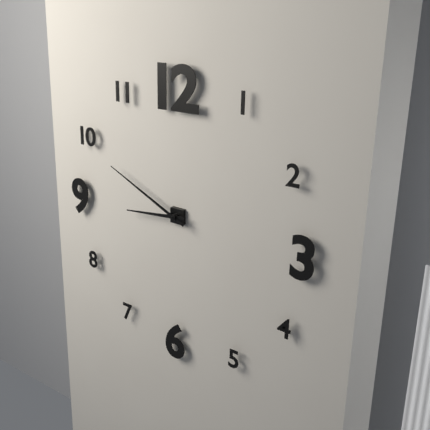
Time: 8h49
